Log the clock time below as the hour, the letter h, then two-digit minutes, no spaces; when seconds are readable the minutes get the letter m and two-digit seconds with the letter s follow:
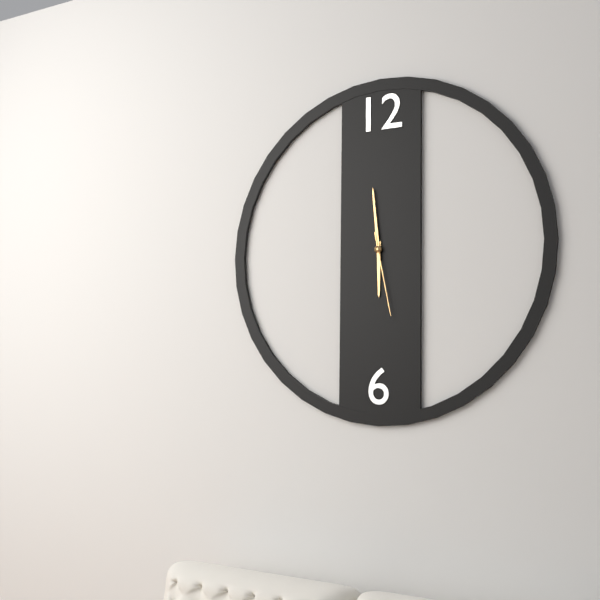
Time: 5h59m28s
